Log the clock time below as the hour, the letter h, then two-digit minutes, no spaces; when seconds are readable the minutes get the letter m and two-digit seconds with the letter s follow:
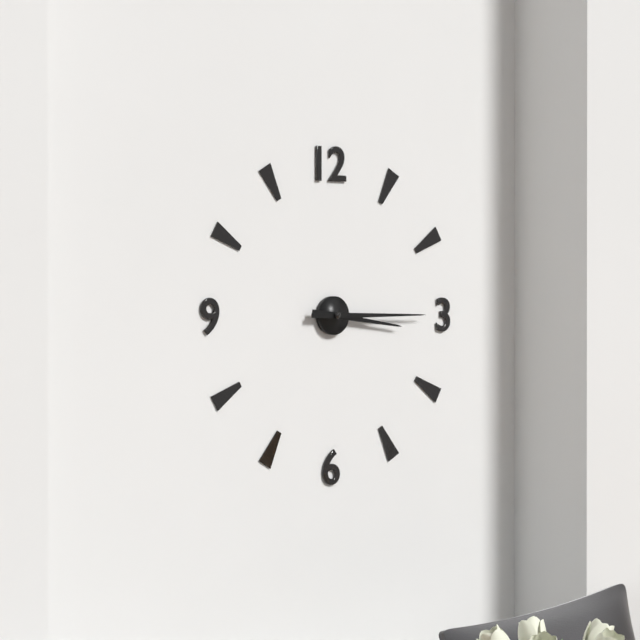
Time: 3h15
